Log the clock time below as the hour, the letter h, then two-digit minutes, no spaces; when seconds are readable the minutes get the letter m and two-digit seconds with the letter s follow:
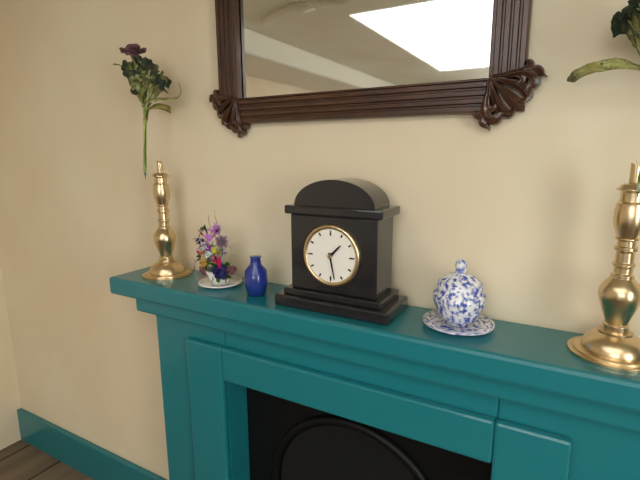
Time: 1h28
